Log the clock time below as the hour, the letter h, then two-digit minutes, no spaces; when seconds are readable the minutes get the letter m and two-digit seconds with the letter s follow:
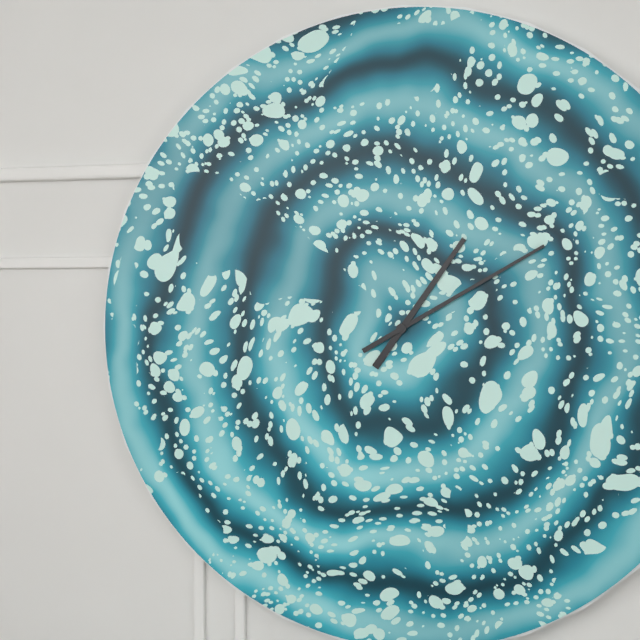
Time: 1h10
